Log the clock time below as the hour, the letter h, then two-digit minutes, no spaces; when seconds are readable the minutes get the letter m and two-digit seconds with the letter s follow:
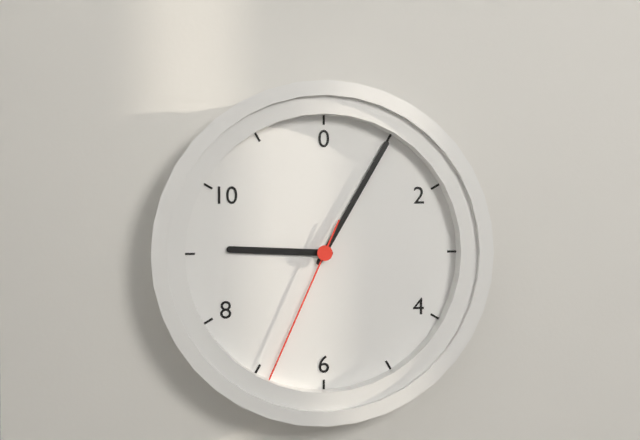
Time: 9h05m34s
